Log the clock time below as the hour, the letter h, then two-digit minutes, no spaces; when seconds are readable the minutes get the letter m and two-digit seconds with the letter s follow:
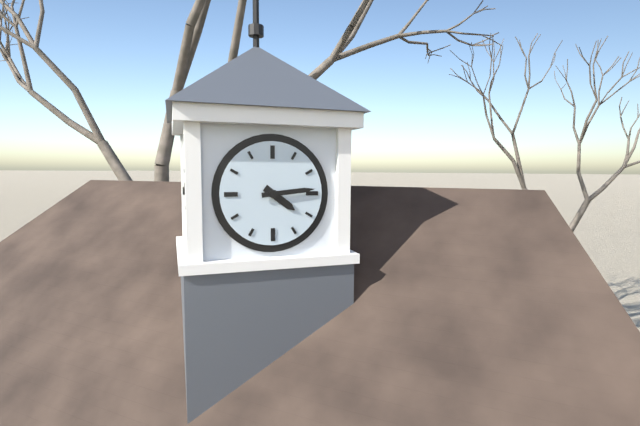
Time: 4h14
